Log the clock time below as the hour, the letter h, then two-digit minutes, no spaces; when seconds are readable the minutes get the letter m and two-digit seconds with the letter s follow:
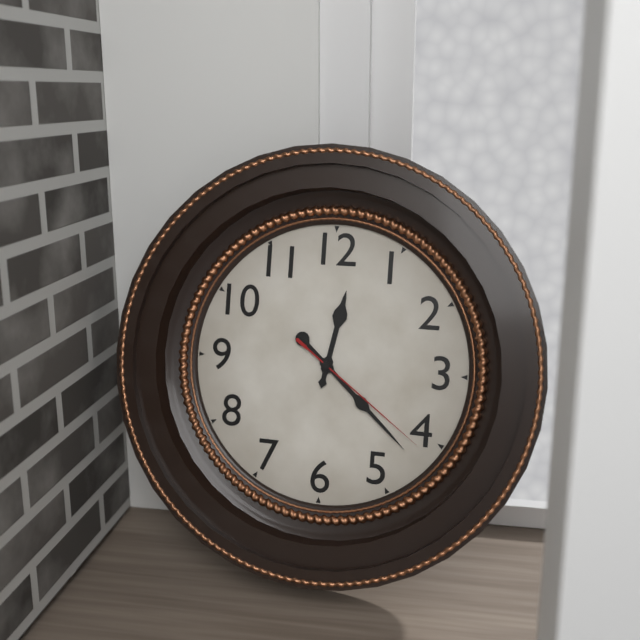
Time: 12h22m21s
